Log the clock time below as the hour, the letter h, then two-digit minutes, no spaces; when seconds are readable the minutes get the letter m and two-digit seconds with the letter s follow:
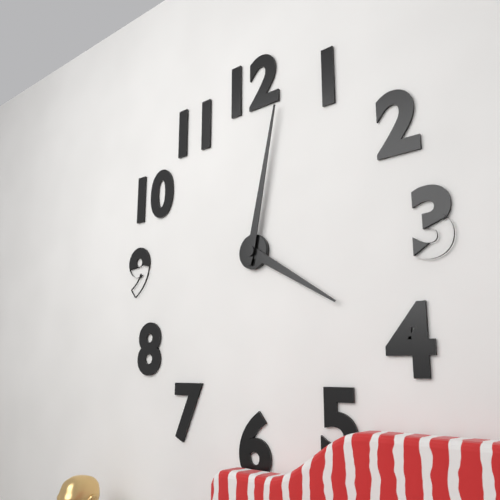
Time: 4h02
